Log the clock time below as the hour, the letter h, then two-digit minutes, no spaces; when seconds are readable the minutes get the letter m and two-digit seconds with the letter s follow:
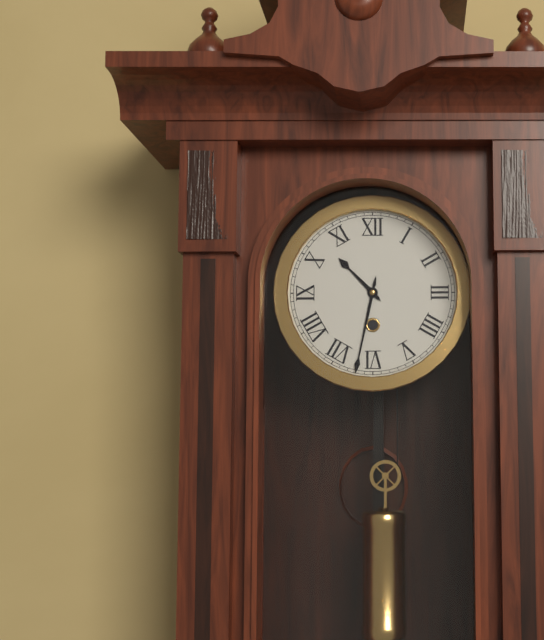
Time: 10h32
